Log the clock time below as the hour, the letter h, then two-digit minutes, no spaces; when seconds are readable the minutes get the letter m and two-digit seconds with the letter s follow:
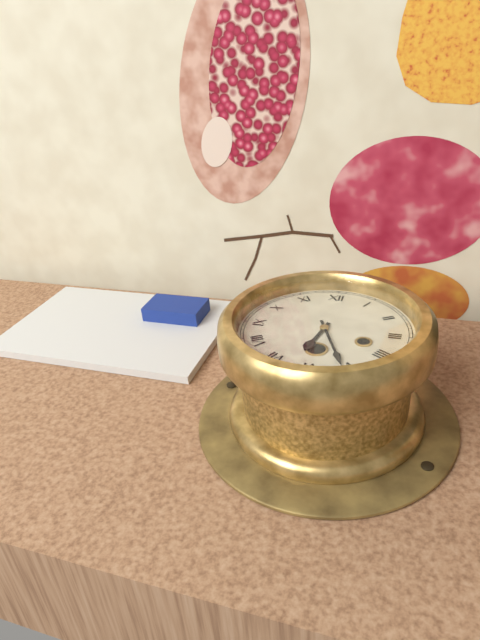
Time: 6h26
